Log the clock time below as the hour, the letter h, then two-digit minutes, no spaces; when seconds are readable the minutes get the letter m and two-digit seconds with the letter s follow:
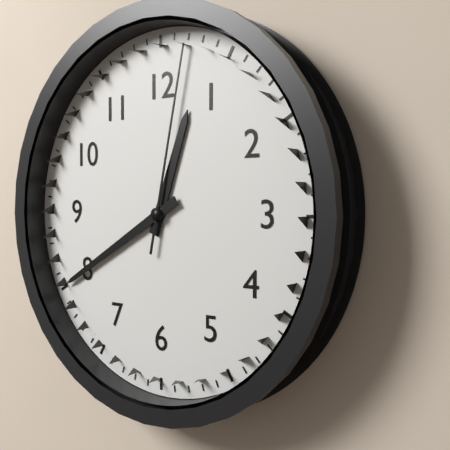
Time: 12h40m02s
